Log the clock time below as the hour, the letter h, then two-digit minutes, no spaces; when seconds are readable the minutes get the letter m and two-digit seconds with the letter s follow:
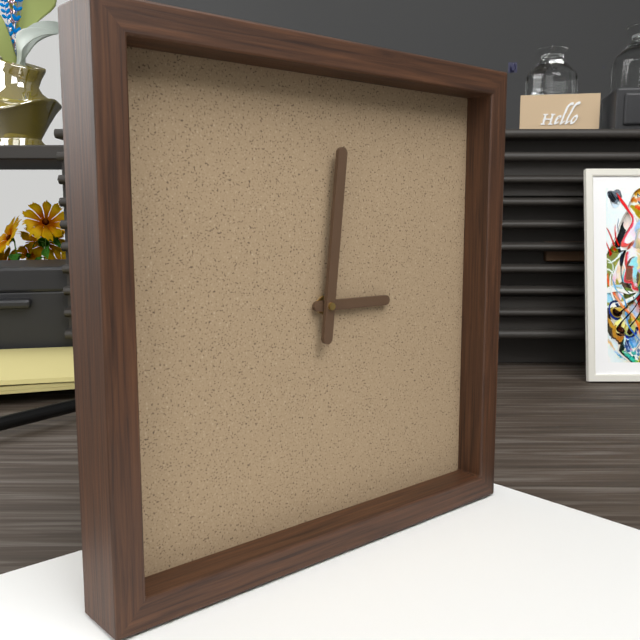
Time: 3h01
